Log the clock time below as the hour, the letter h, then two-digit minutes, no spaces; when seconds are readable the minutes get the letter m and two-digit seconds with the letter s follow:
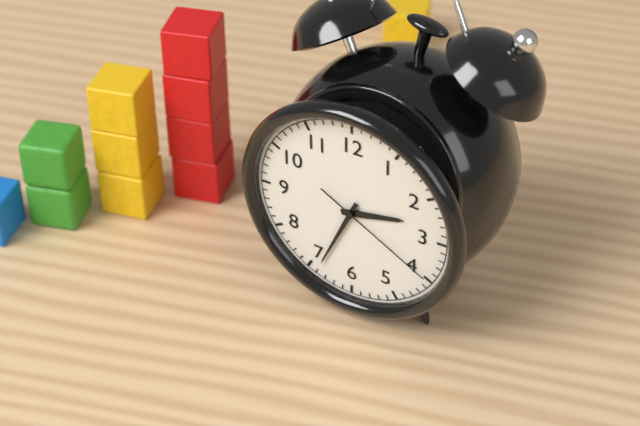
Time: 2h34m20s
